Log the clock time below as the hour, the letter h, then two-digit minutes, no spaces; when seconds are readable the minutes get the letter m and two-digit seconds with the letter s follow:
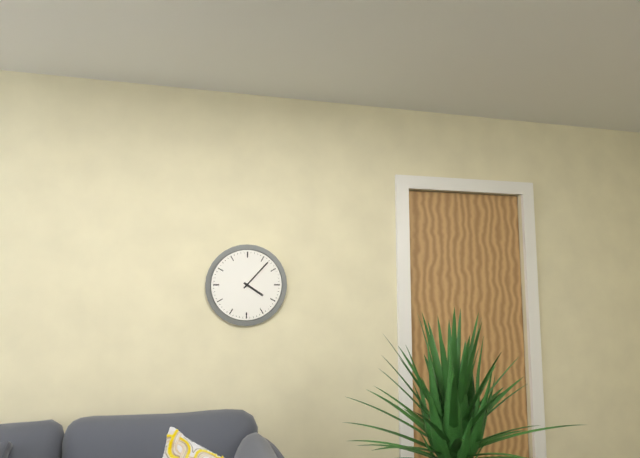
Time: 4h07
